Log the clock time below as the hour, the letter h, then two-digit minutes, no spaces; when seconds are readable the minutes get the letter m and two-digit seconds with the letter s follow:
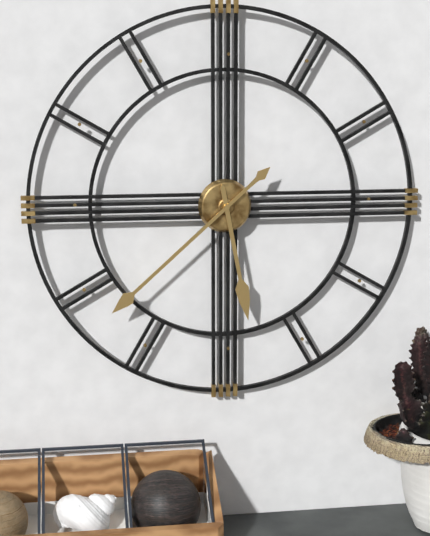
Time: 5h38
